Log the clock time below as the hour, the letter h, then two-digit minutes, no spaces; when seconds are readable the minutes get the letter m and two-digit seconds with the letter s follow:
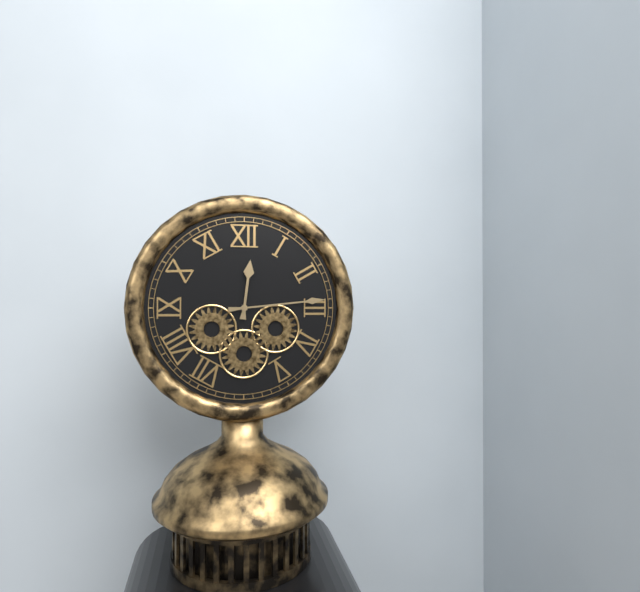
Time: 12h14
